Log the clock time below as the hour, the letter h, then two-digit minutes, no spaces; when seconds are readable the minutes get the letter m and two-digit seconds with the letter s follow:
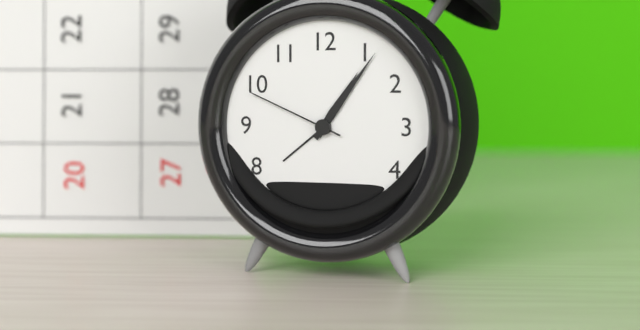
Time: 1h06m49s
